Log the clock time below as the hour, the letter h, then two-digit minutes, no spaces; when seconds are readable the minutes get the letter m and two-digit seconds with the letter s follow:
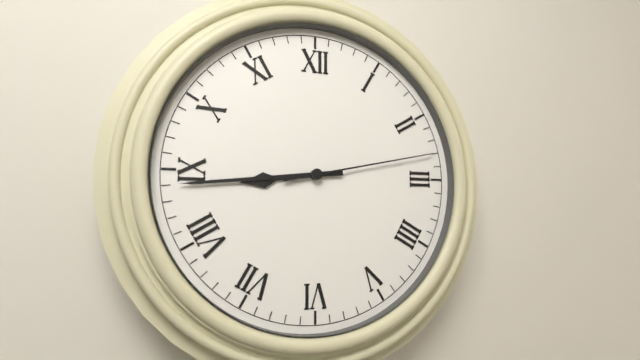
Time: 8h44m13s
